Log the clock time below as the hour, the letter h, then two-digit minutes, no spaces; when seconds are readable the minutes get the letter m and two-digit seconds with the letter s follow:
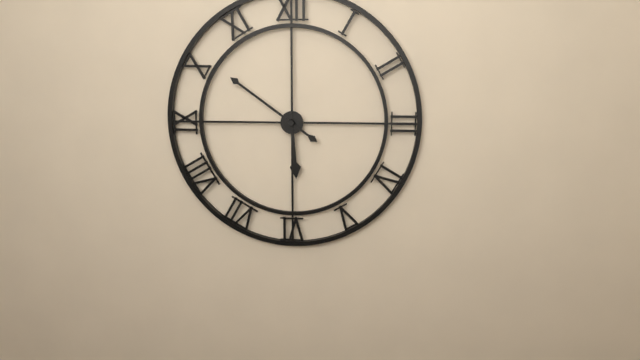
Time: 5h51
